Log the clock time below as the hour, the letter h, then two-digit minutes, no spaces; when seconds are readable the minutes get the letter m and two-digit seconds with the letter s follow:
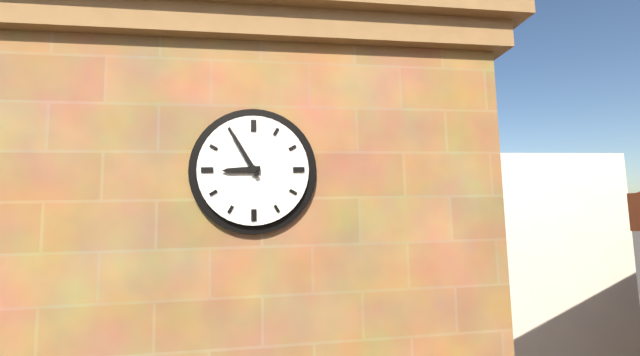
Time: 8h55
